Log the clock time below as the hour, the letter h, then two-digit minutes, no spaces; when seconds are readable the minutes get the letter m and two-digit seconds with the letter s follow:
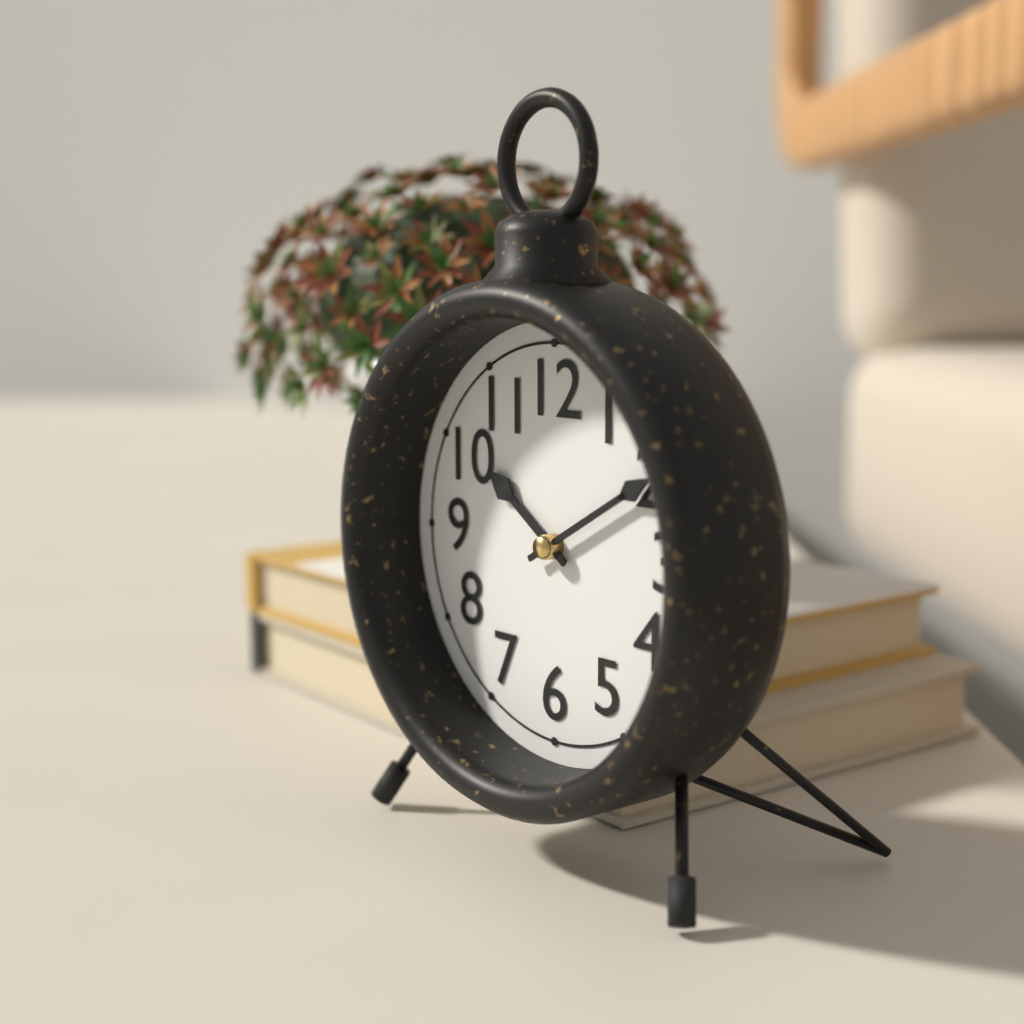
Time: 10h10
